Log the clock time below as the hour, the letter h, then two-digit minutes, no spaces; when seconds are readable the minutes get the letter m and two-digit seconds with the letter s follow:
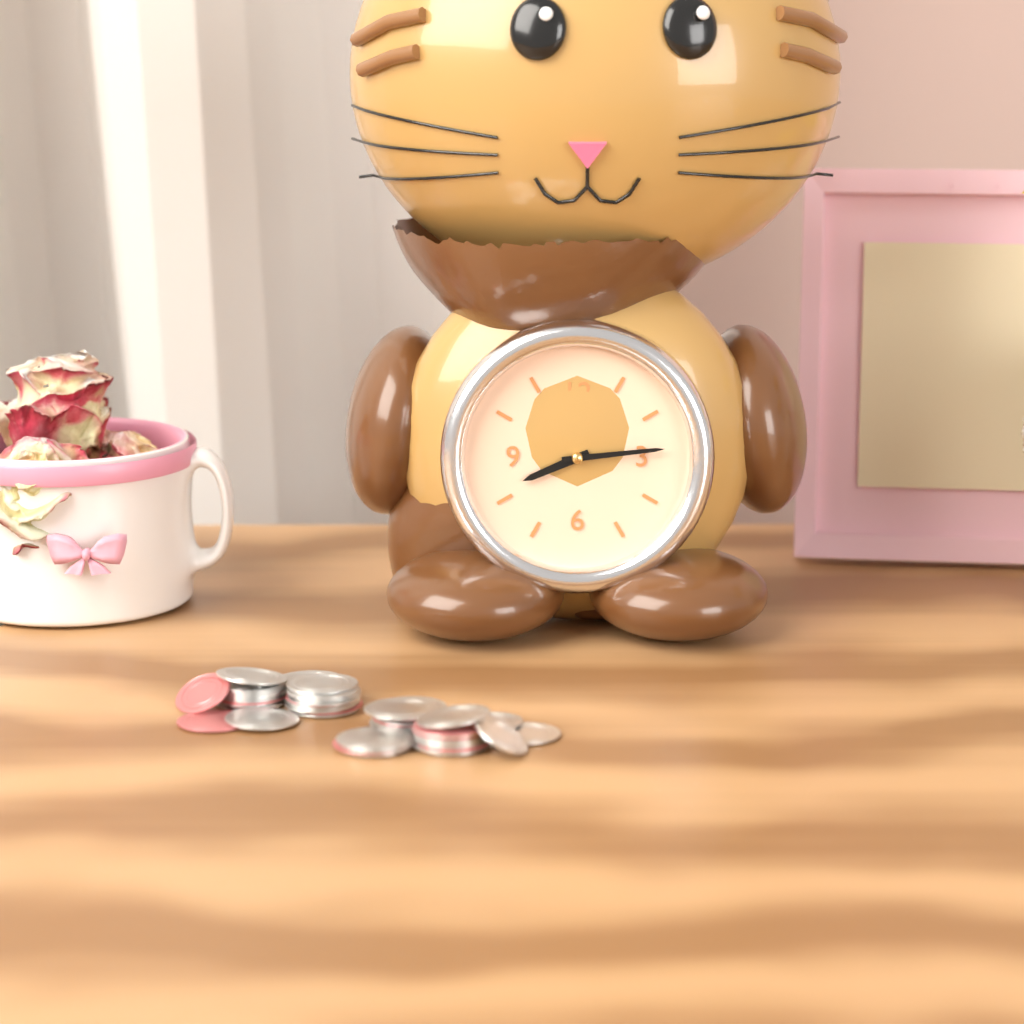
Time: 8h14
